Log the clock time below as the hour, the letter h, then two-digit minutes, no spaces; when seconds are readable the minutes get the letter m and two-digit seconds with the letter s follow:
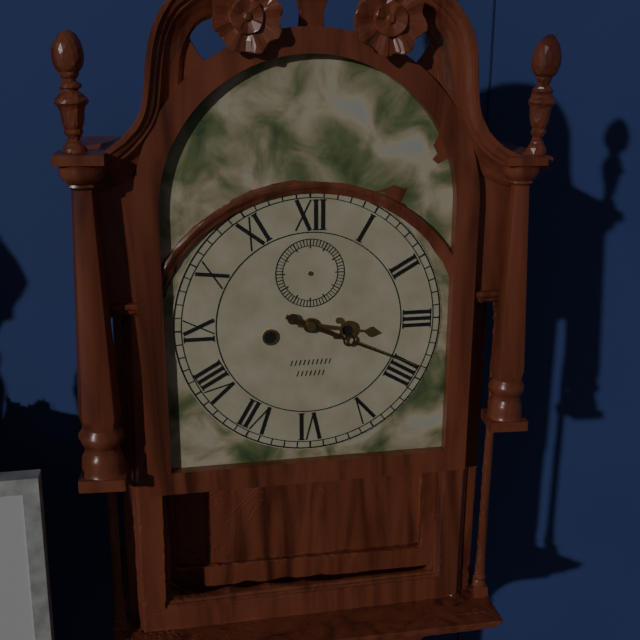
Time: 3h19
